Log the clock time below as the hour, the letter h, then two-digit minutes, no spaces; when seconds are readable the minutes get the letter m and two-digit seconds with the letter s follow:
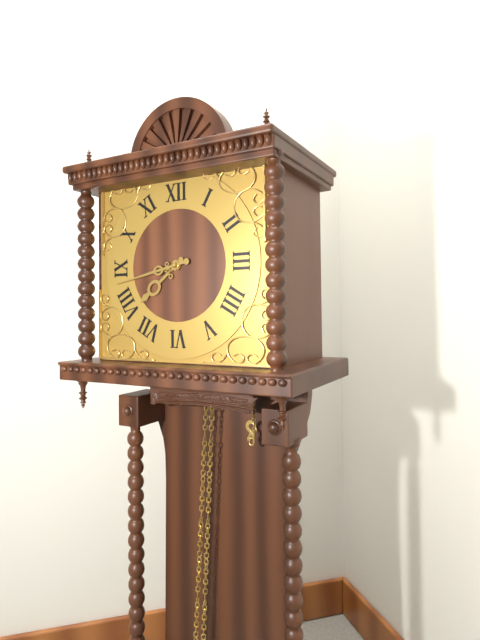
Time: 7h43
